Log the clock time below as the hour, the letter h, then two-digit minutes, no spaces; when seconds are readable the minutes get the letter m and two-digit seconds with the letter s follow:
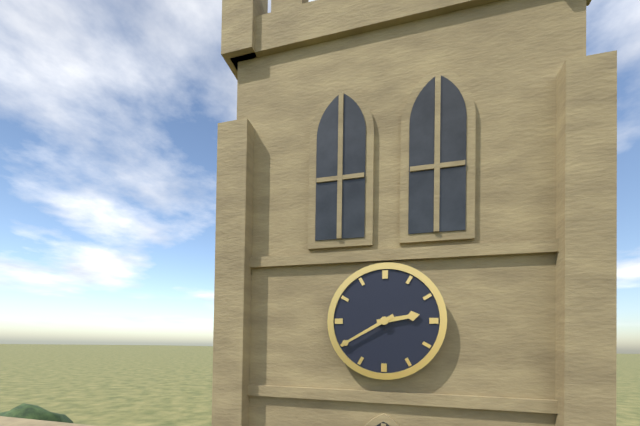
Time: 2h40
